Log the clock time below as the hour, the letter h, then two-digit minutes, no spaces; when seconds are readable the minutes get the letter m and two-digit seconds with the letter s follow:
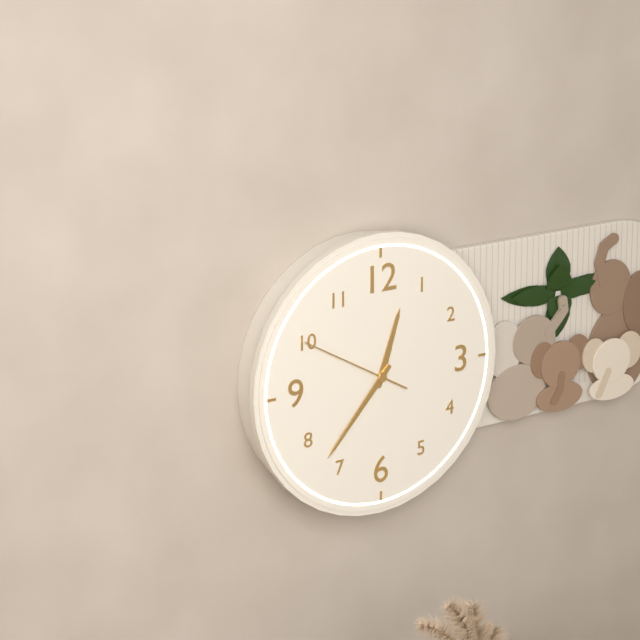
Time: 12h37m50s
